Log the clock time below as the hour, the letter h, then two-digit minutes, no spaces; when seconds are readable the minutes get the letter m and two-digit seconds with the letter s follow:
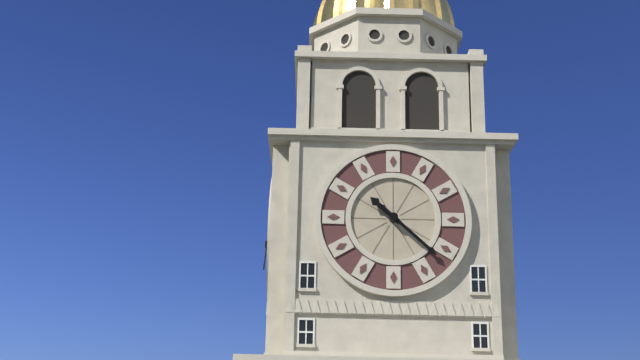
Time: 10h22
